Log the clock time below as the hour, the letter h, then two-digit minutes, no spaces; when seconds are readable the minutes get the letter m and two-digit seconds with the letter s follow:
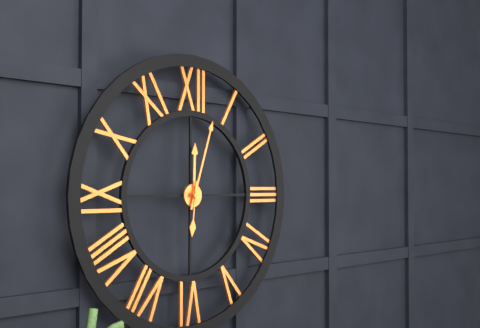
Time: 12h03m31s
